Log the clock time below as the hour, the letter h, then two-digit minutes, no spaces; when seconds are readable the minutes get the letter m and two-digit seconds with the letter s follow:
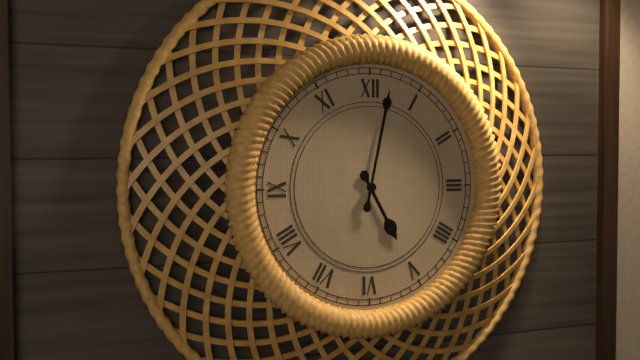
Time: 5h02
